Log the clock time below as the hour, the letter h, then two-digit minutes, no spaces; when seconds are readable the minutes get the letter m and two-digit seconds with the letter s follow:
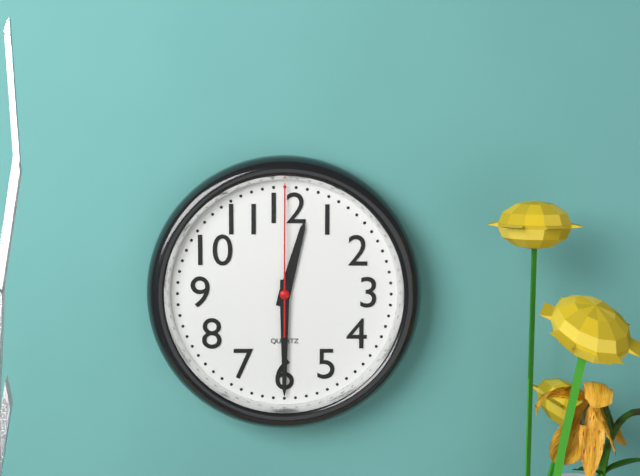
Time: 12h30m00s
